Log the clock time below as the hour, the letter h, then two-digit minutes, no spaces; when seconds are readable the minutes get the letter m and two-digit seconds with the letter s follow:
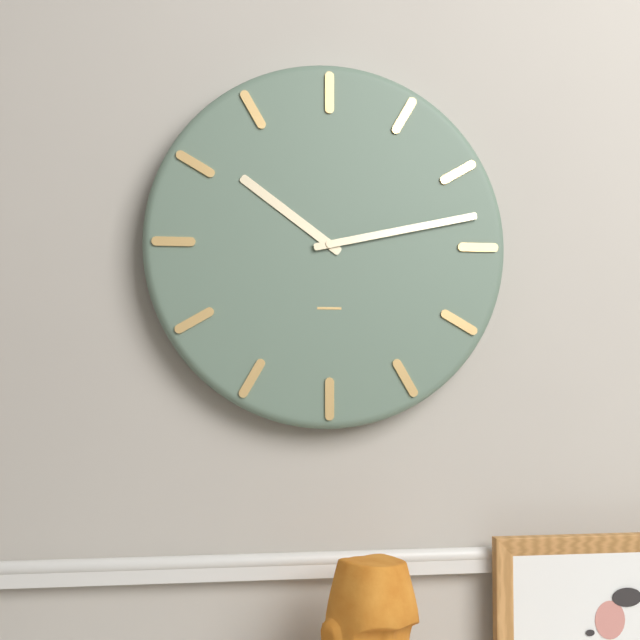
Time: 10h13
